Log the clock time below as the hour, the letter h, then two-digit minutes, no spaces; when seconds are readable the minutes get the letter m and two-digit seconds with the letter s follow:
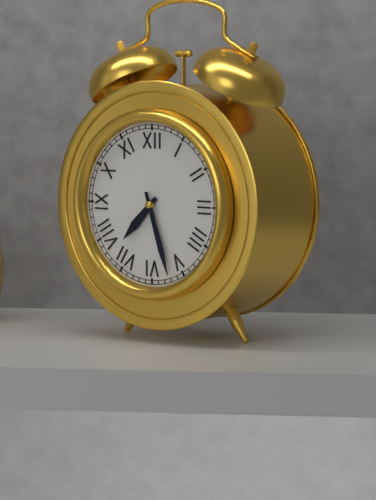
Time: 7h27
